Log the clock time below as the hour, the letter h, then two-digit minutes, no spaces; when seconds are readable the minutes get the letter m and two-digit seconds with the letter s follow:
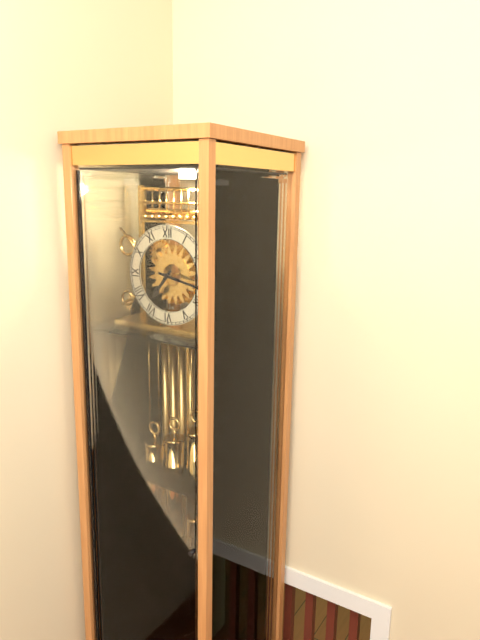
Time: 7h17
